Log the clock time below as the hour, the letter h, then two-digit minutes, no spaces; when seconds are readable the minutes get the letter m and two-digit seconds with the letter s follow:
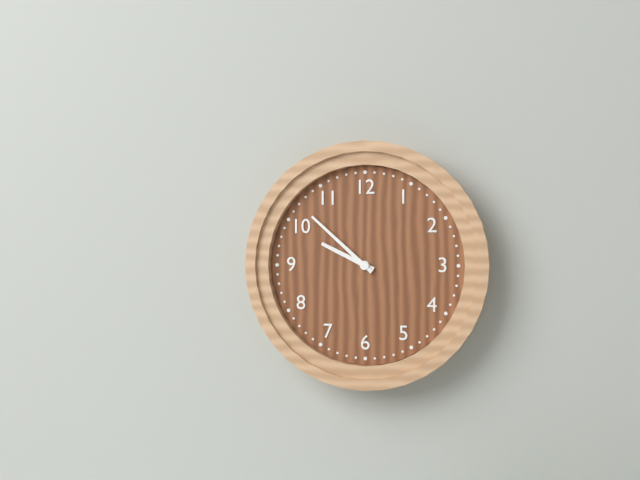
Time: 9h52
